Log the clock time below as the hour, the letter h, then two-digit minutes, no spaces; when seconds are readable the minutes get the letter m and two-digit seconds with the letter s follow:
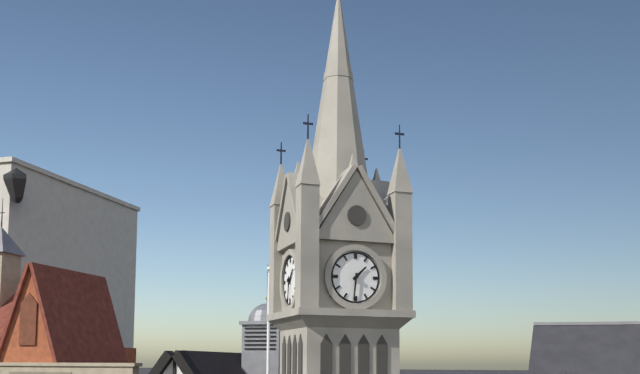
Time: 1h31
